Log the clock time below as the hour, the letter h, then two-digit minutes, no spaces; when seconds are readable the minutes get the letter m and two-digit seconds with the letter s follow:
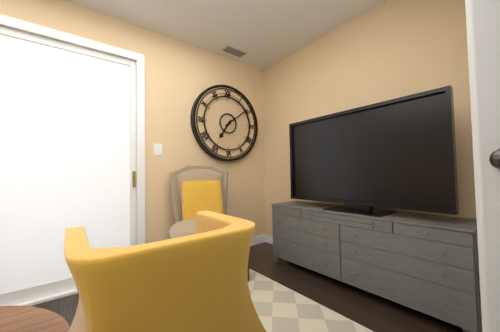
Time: 7h09
